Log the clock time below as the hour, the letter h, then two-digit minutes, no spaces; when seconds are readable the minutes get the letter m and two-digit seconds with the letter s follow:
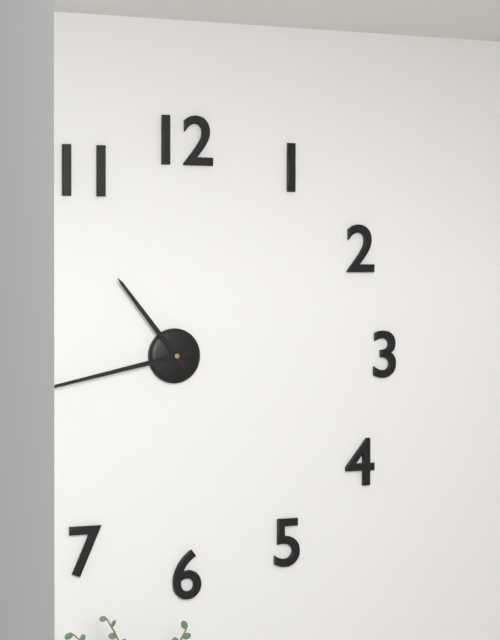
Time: 10h43
